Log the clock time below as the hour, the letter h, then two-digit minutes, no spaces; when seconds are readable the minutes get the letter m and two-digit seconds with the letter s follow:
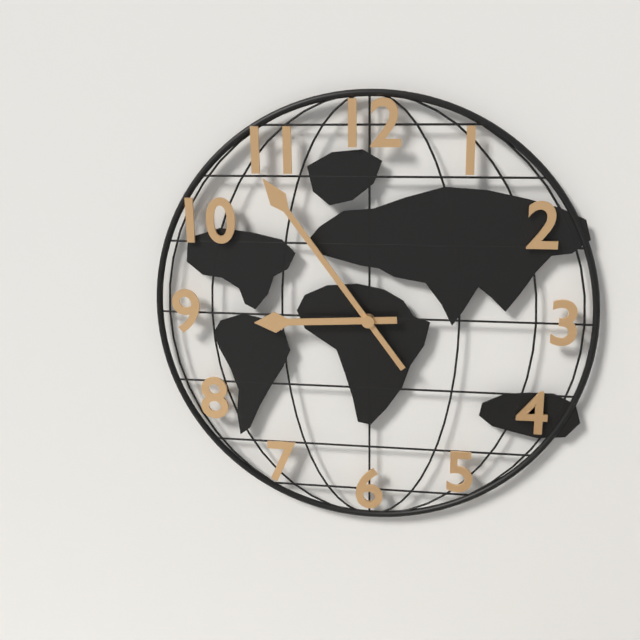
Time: 8h54
